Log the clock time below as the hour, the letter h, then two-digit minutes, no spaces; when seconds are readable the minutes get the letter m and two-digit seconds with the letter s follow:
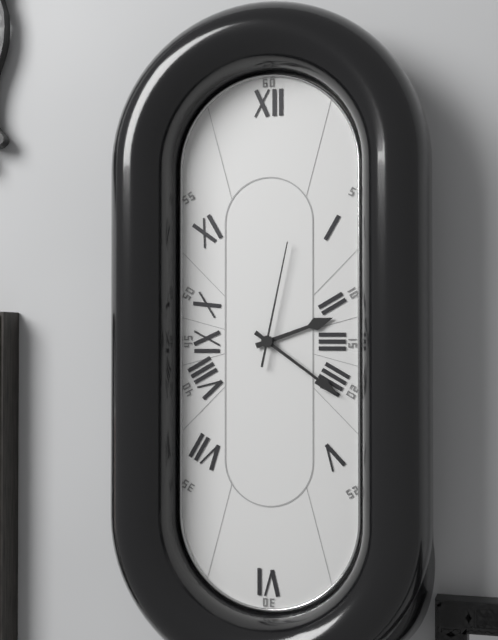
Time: 2h21m02s
